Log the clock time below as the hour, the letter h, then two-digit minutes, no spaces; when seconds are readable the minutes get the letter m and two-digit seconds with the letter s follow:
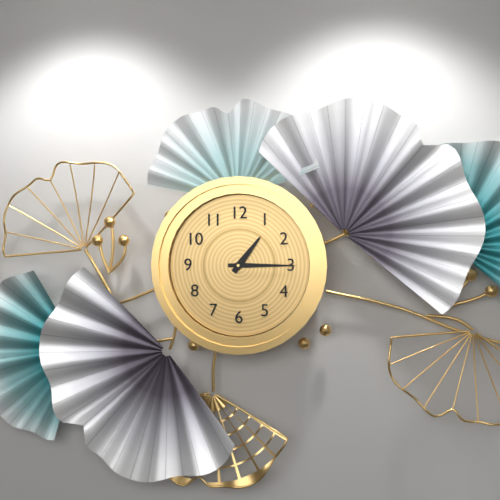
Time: 1h15
